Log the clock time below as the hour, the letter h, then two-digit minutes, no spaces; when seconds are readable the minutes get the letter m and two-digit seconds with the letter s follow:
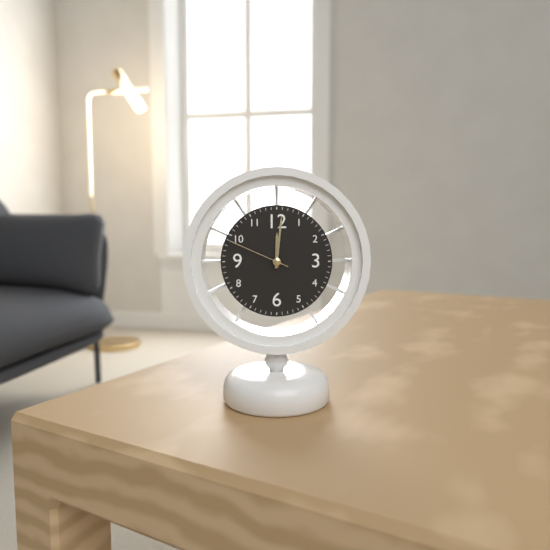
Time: 12h01m49s
